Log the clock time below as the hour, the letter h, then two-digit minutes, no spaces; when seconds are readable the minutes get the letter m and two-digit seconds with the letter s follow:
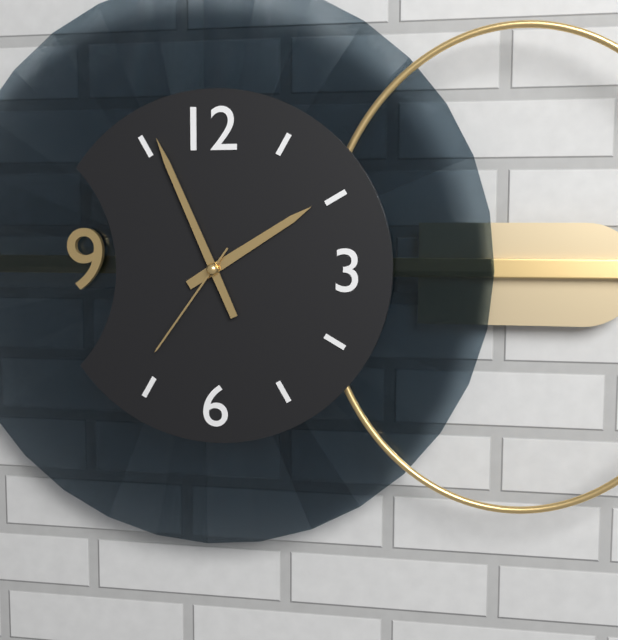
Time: 1h56m36s
